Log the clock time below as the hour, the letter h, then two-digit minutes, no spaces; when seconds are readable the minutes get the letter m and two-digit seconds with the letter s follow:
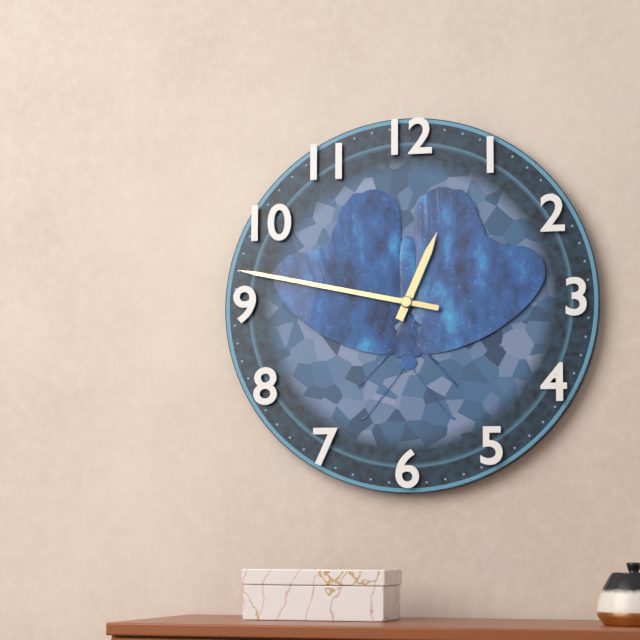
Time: 12h47
